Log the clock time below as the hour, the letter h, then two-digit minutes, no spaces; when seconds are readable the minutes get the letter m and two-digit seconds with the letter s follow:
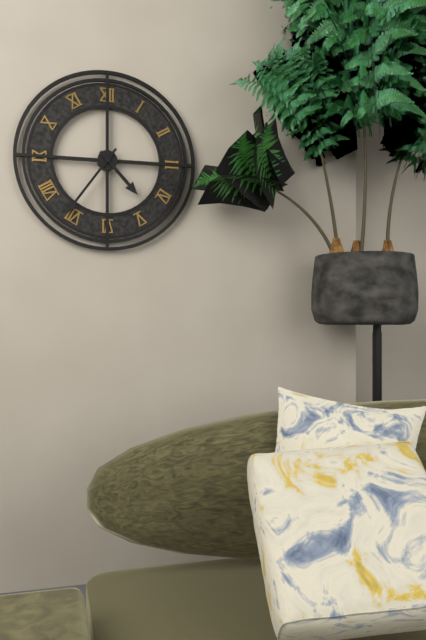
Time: 4h36
